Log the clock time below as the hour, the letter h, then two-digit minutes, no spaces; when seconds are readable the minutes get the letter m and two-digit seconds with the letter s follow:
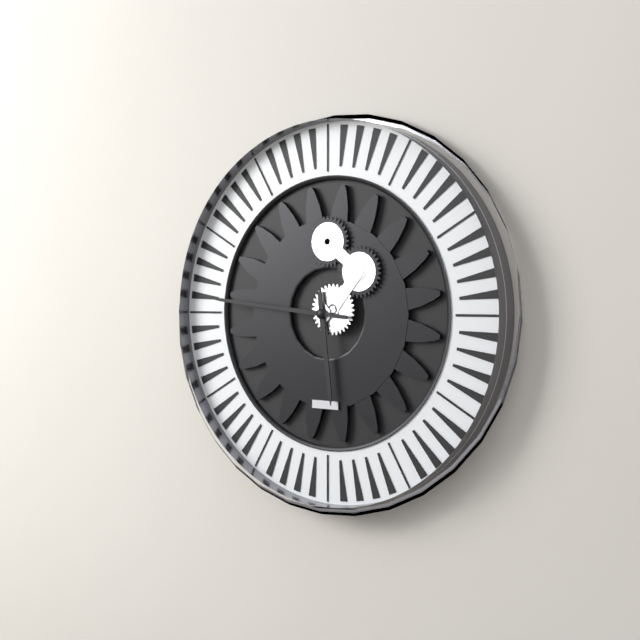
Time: 5h46
